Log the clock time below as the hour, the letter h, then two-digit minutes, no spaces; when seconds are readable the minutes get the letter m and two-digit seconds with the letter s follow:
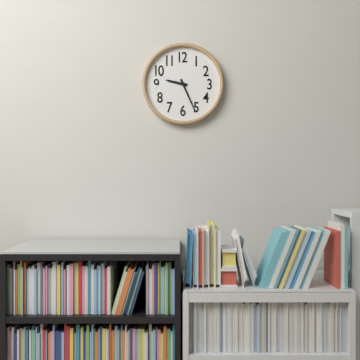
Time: 9h26
